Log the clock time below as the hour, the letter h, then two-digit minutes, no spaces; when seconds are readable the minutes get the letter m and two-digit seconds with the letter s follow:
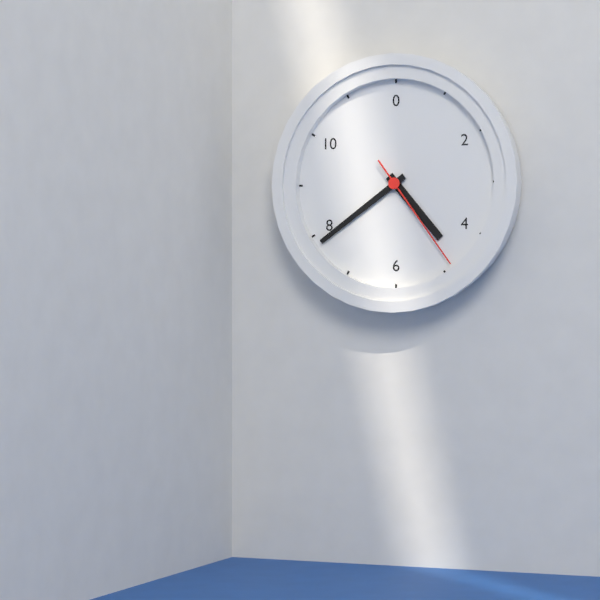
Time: 4h39m24s
